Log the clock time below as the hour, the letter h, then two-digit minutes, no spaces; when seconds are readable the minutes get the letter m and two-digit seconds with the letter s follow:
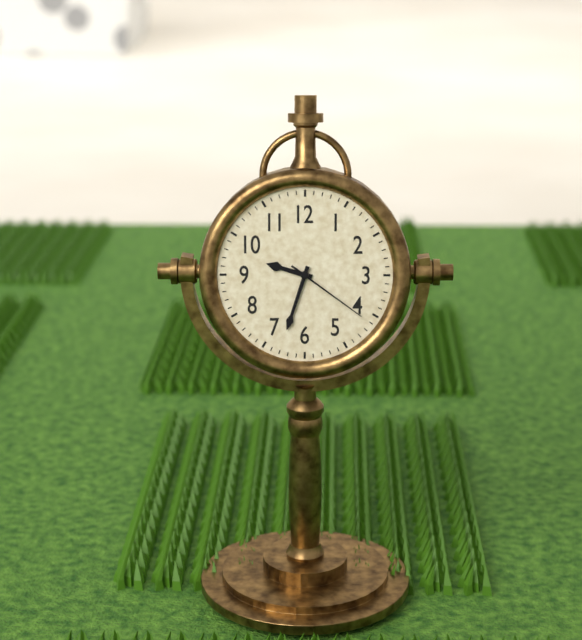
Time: 9h33m21s
